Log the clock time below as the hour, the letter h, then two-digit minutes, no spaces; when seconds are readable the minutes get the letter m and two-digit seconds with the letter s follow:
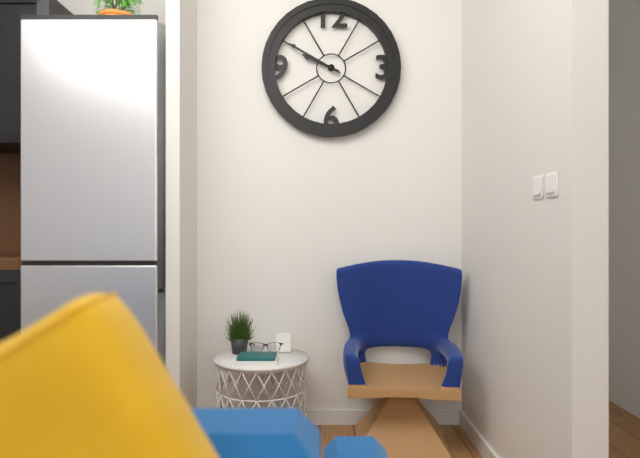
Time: 9h50
